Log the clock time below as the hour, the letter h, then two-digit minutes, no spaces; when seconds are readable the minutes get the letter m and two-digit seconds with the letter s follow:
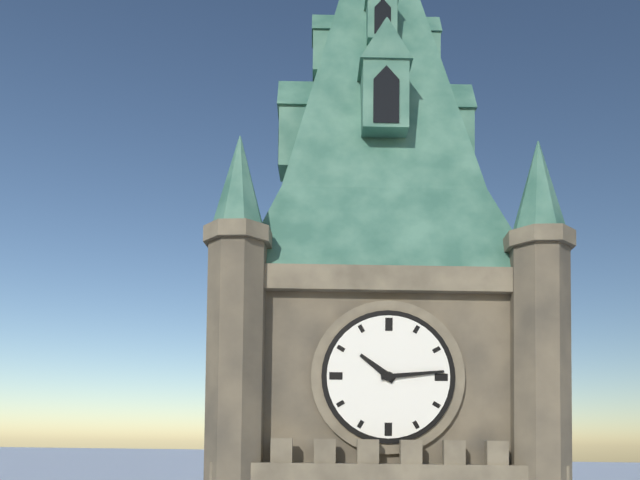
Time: 10h14
